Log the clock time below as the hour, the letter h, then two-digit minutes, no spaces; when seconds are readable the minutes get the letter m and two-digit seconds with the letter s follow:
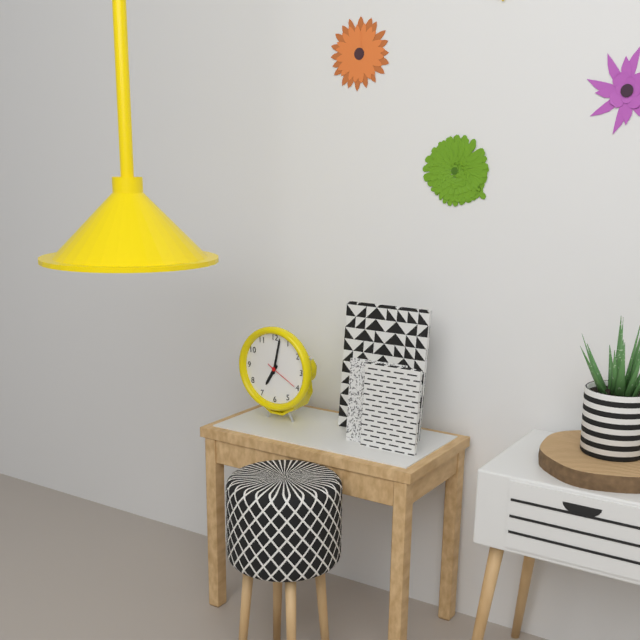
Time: 7h02
